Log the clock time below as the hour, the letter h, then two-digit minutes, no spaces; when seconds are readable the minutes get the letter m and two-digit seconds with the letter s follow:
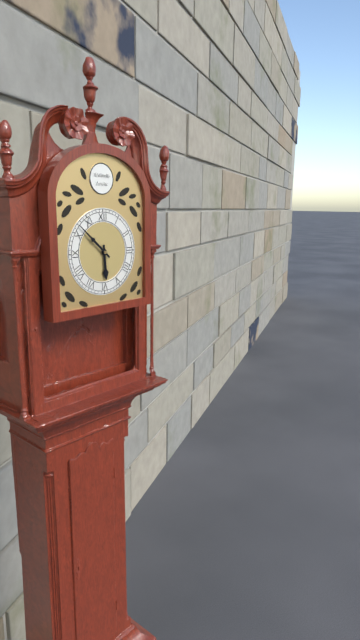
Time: 5h52
